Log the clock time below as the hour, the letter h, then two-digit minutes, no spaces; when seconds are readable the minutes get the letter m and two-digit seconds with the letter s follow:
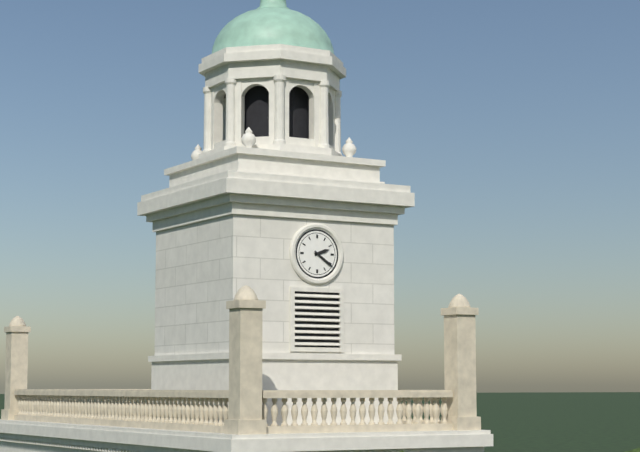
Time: 2h21
